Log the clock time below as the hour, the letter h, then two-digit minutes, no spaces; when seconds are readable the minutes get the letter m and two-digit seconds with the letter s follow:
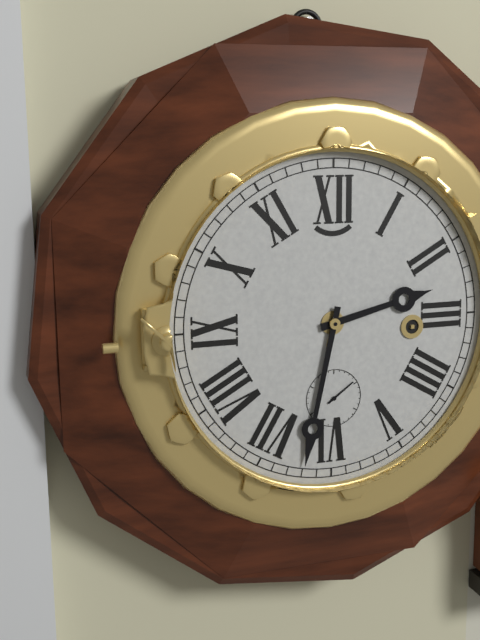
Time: 2h32m09s
